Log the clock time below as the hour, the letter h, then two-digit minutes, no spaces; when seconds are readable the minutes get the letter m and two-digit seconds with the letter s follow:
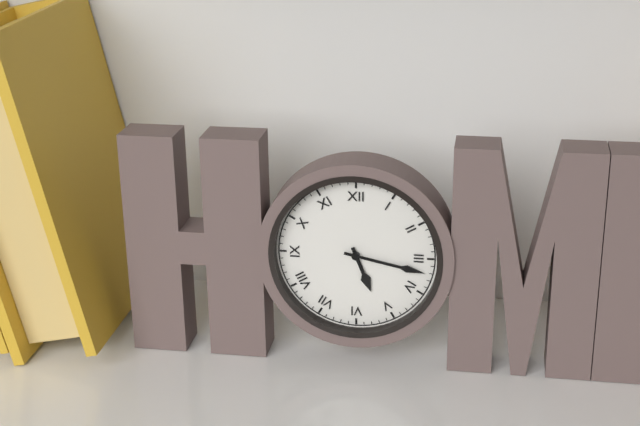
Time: 5h17
